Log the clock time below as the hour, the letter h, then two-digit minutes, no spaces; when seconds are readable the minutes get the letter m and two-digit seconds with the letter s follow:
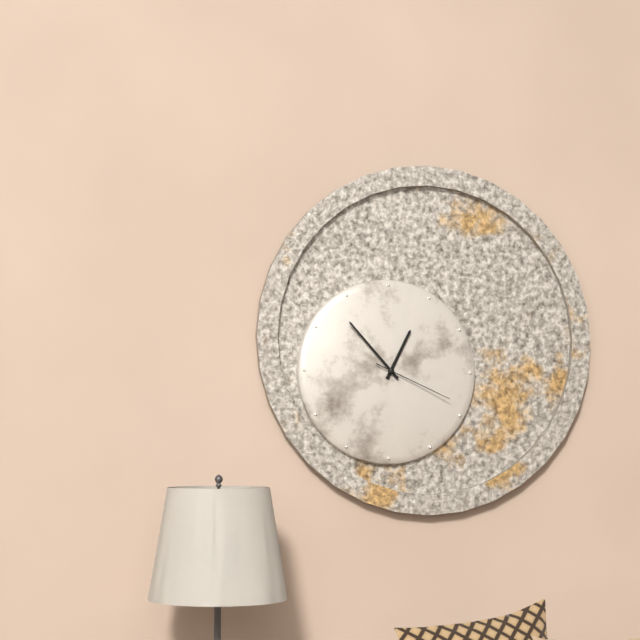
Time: 12h53m19s
